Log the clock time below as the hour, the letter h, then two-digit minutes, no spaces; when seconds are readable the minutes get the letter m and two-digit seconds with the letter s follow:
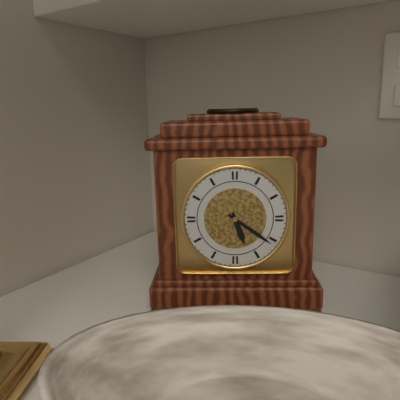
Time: 5h21
